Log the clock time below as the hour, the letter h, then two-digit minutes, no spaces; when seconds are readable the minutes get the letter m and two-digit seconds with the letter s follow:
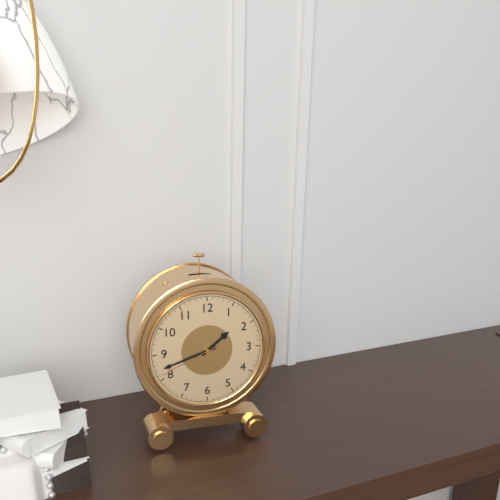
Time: 1h42m41s
